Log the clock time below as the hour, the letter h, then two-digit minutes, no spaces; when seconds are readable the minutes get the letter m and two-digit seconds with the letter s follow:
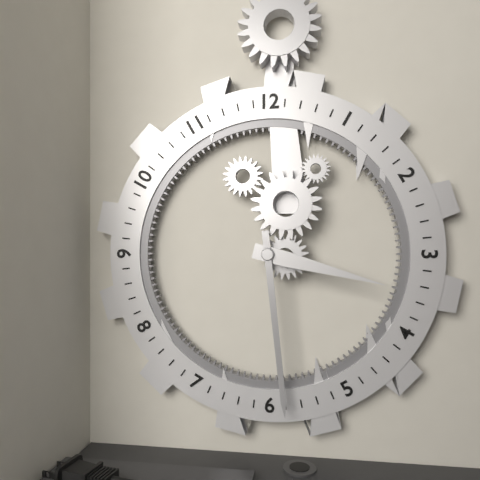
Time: 3h29
